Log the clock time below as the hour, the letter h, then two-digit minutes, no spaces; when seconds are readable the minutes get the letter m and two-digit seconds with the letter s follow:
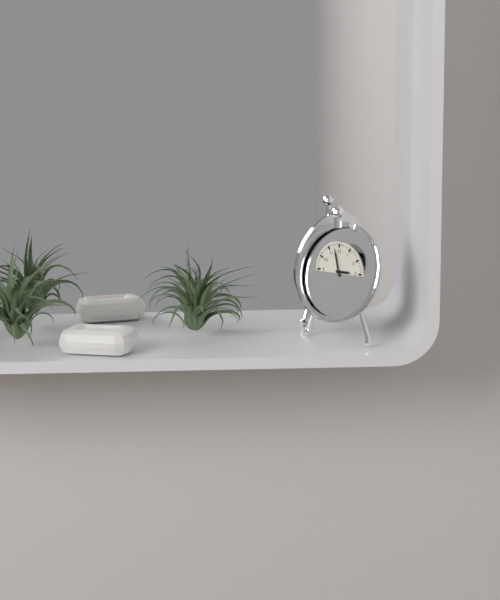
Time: 2h58
